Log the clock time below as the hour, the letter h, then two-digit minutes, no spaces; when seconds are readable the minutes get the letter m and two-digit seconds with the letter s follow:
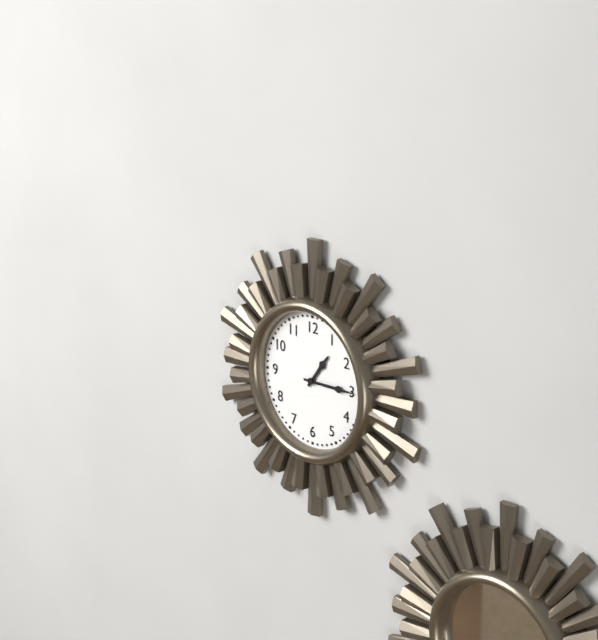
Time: 1h15
